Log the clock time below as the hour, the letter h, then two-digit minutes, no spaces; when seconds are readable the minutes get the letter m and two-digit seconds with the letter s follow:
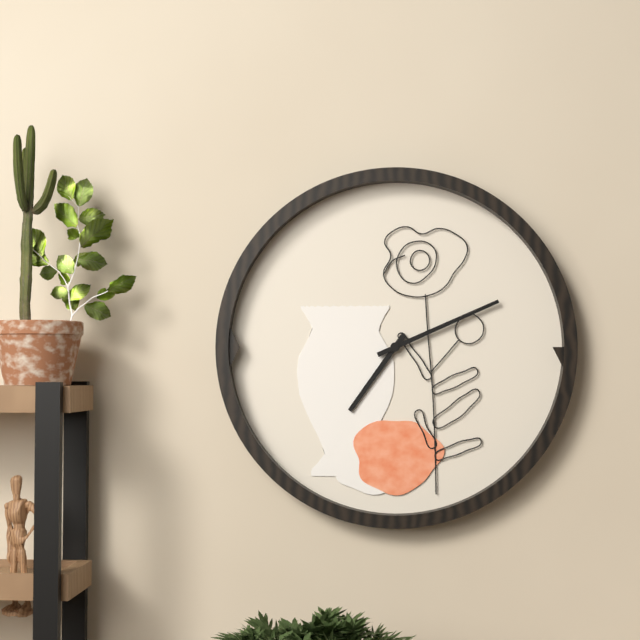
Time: 7h11
